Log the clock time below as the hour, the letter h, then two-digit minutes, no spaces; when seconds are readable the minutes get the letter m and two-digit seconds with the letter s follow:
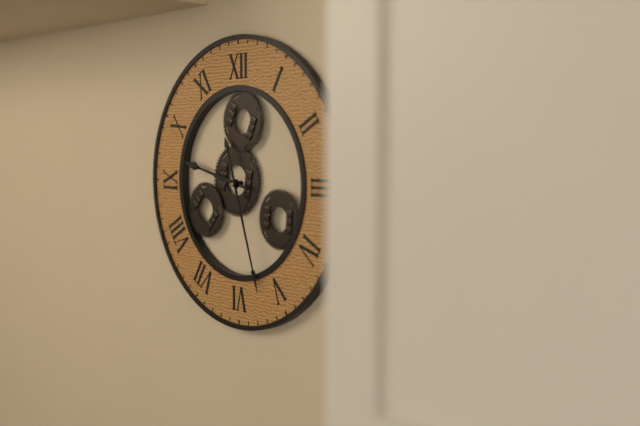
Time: 9h27
